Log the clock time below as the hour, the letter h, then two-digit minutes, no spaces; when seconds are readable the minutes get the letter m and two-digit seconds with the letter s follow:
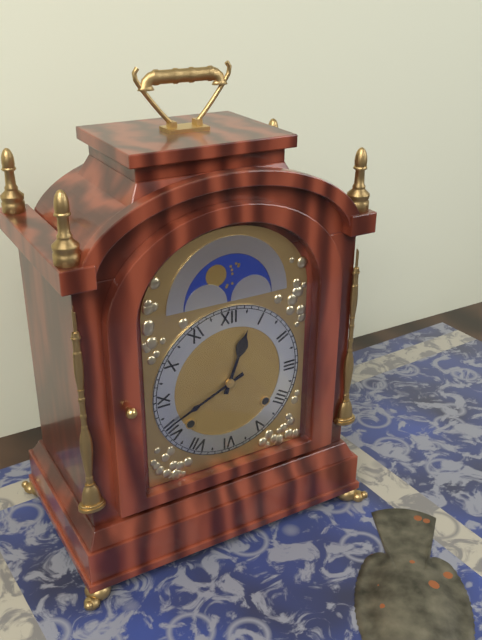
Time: 12h41
